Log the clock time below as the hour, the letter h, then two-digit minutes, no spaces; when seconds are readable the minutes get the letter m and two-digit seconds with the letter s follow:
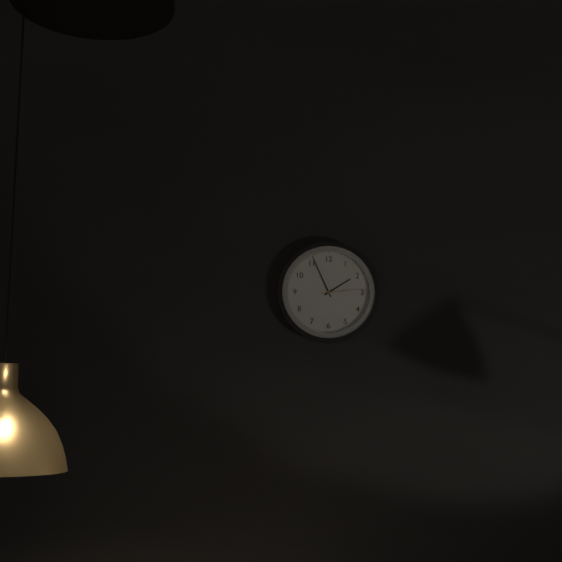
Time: 1h56
